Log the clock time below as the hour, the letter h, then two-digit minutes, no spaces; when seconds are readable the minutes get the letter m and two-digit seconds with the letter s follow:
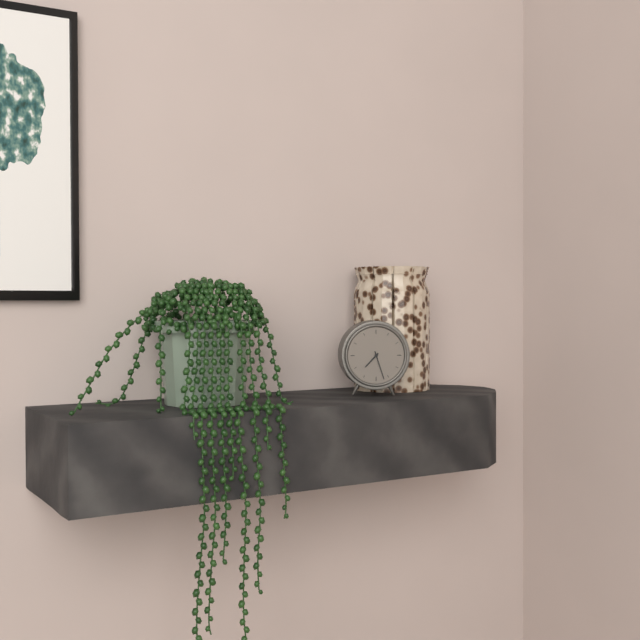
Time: 7h27
